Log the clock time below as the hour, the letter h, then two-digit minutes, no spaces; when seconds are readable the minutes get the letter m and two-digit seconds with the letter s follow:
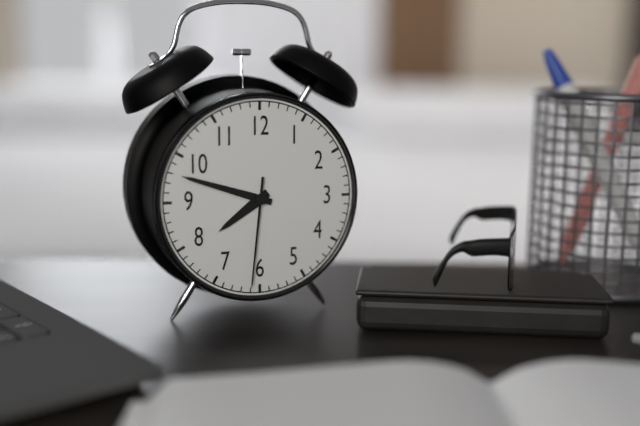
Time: 7h48m31s
